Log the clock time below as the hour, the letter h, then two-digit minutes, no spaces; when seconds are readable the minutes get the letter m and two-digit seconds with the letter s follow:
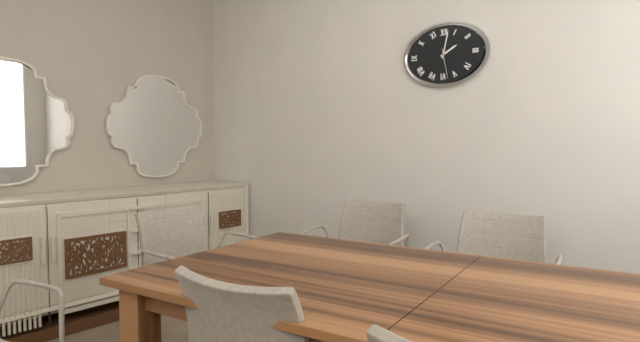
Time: 2h02
